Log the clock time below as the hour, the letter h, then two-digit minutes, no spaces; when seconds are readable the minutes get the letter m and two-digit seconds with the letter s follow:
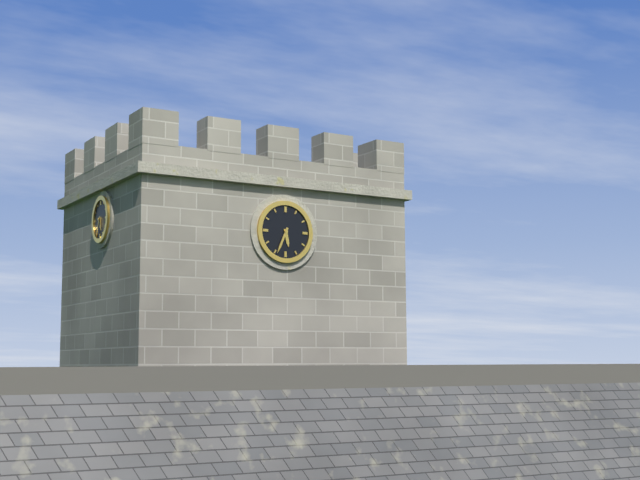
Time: 5h34
